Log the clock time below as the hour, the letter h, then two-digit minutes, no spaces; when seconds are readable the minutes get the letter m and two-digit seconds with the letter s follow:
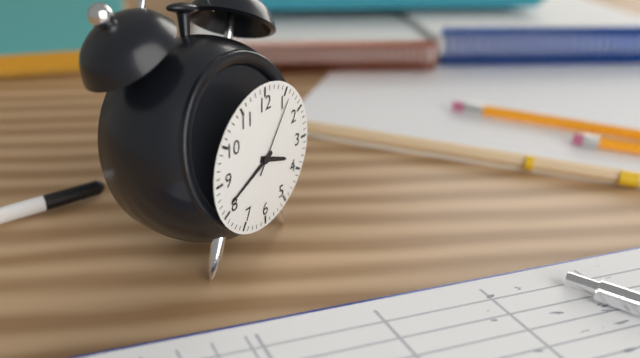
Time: 3h41m06s
